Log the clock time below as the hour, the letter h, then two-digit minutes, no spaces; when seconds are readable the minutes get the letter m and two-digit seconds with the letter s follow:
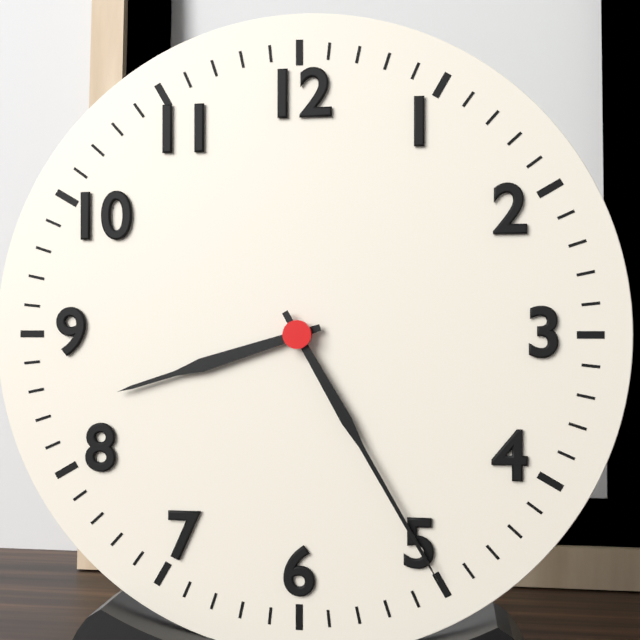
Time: 8h25
